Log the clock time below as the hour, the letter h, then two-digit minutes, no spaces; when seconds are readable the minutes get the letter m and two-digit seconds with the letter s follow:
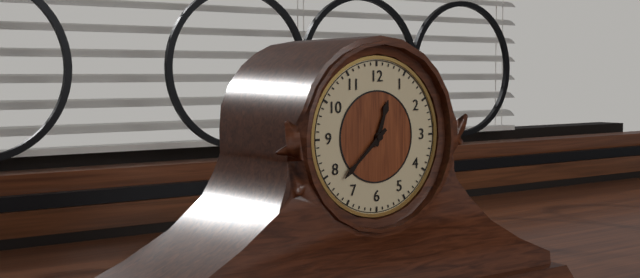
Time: 12h38
